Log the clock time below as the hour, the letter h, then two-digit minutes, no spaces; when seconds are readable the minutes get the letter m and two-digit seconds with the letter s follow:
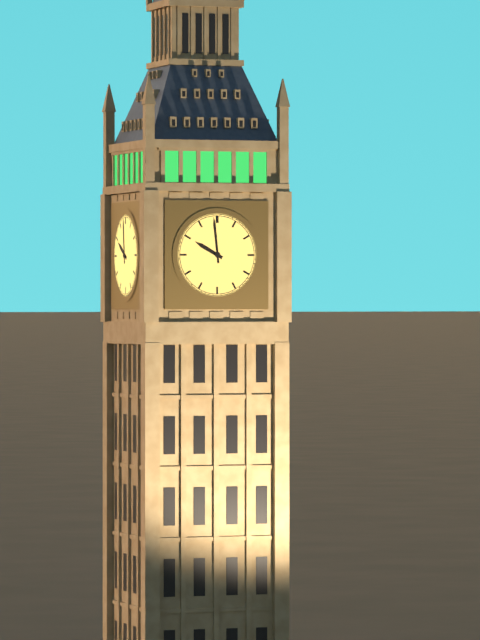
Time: 9h59
